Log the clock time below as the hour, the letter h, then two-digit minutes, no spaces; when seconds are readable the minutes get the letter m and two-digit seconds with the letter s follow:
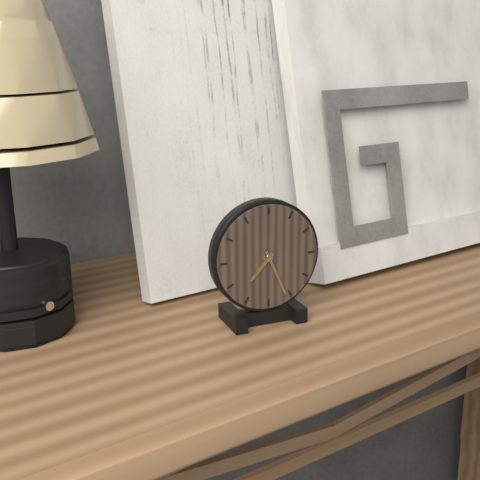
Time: 7h26
